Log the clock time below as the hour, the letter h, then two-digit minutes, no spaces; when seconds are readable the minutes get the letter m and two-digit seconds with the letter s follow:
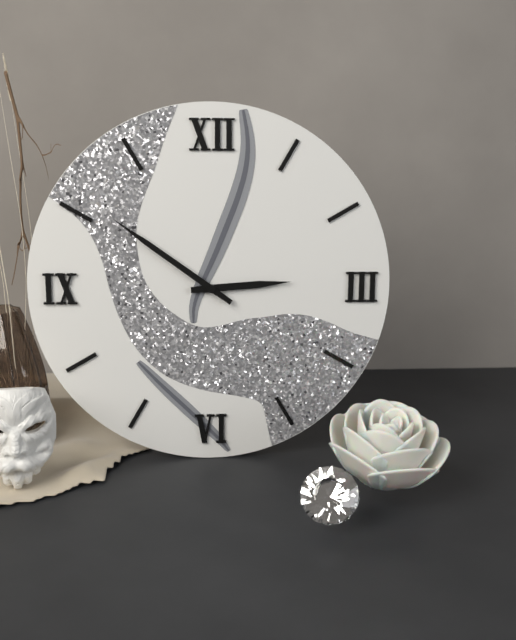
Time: 2h51
